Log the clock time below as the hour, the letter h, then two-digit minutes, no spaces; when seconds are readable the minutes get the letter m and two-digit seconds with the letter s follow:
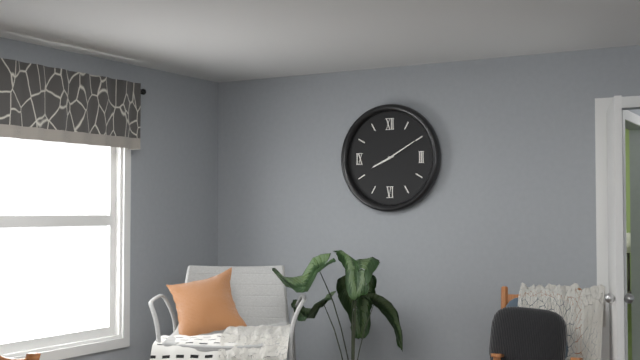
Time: 8h10
